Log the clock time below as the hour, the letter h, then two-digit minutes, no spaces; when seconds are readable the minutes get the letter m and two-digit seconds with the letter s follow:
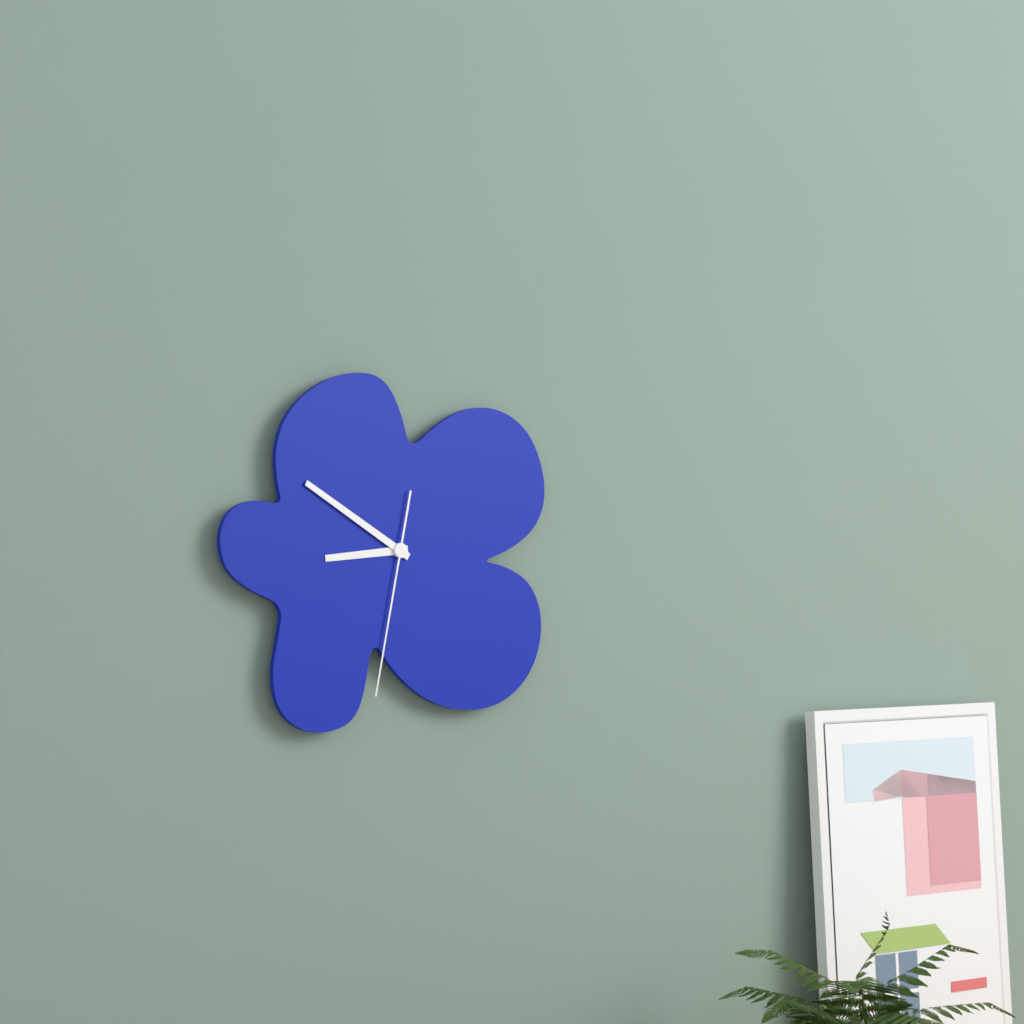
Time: 8h50m32s
